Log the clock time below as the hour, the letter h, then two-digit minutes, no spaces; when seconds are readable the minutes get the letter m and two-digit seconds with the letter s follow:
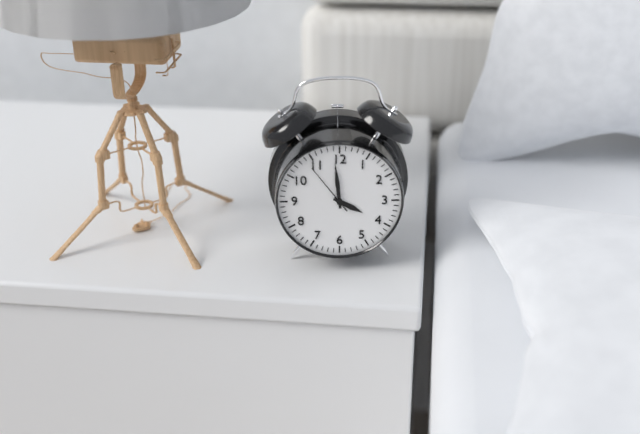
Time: 3h59
